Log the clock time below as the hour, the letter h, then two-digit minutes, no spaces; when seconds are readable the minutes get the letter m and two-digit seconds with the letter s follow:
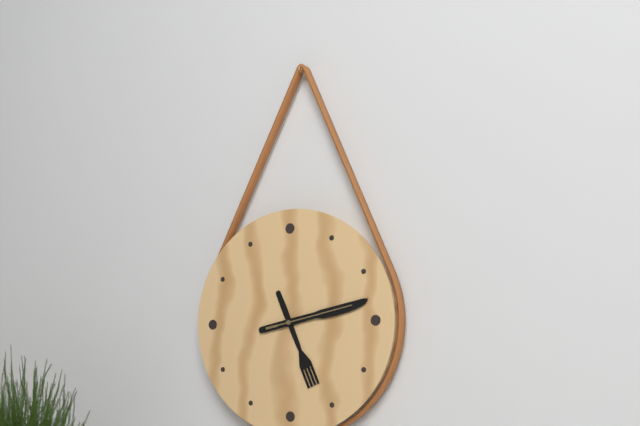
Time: 5h13m13s
